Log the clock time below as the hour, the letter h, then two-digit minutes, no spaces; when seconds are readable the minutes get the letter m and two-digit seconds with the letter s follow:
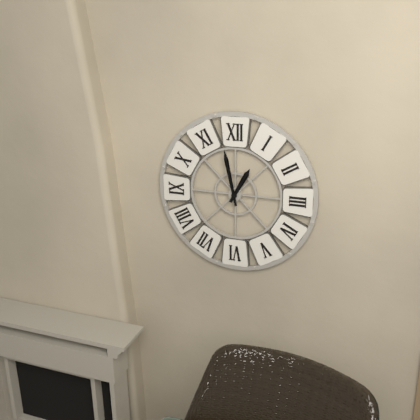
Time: 12h58
